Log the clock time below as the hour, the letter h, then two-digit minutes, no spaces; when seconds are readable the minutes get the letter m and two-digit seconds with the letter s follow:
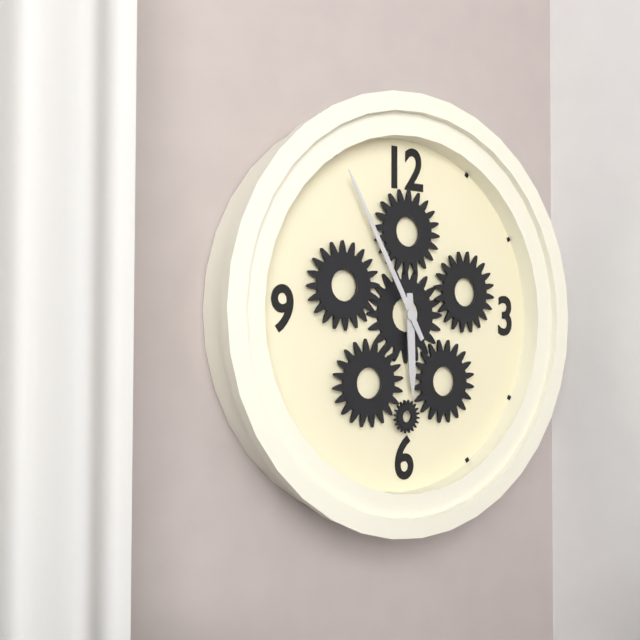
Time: 5h55
